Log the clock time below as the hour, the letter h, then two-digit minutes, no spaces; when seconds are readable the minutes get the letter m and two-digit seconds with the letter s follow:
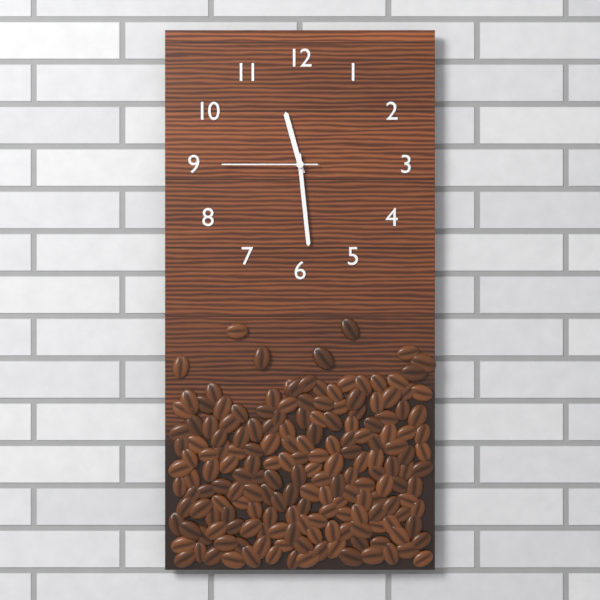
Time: 11h29m45s
